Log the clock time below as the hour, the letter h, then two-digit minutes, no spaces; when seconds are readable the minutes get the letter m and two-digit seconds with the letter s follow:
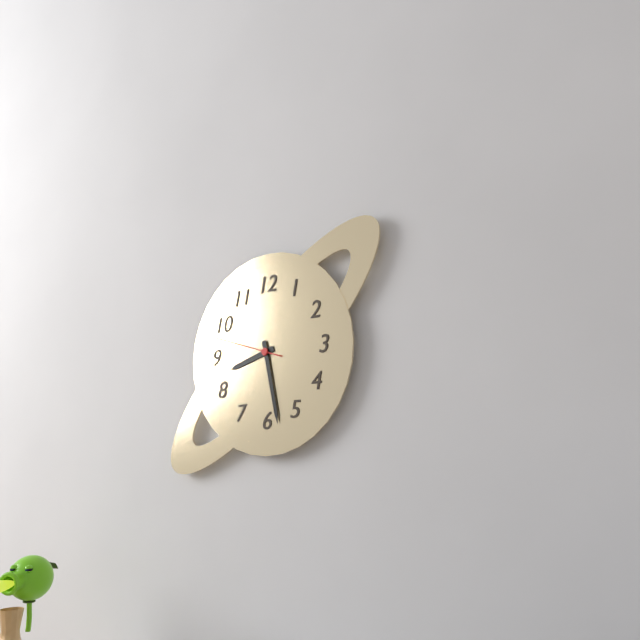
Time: 8h28m48s
